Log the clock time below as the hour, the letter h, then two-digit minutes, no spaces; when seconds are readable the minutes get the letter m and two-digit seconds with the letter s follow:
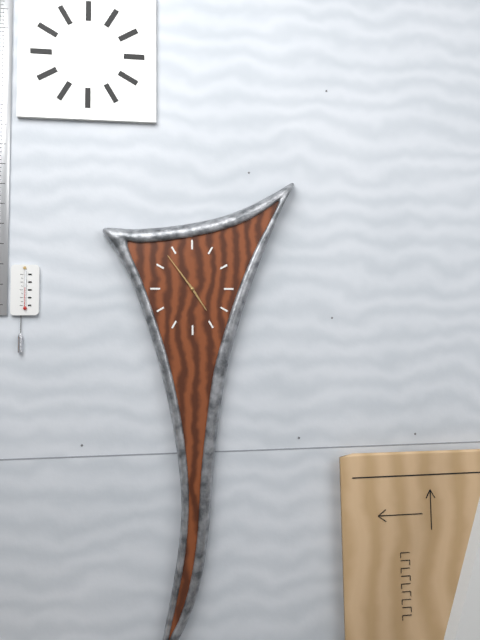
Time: 4h54
